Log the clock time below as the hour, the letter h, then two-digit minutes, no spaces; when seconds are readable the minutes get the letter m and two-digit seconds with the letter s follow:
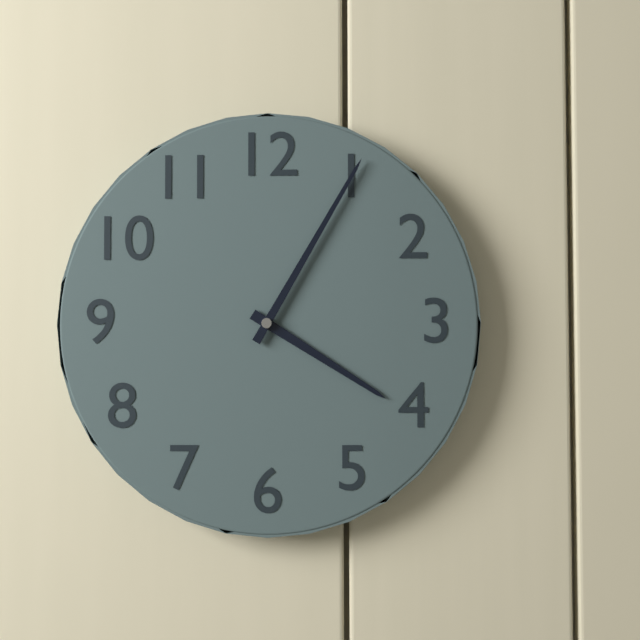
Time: 4h05
